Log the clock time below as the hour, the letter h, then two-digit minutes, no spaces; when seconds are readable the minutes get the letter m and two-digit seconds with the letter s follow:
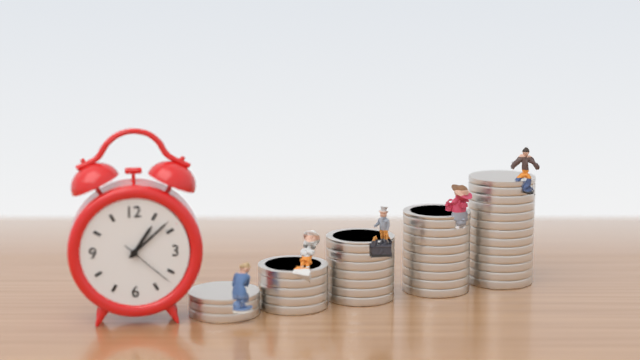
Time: 1h08m22s
